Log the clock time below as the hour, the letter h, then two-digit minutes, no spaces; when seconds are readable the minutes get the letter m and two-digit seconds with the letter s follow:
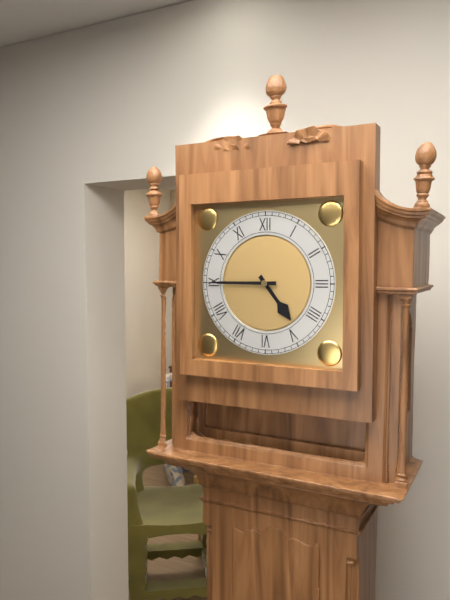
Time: 4h45
